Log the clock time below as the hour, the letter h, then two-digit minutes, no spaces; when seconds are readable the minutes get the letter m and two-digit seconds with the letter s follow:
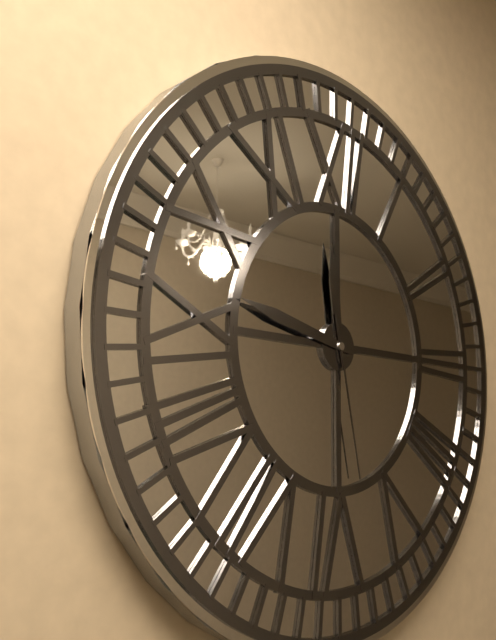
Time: 11h47m28s
